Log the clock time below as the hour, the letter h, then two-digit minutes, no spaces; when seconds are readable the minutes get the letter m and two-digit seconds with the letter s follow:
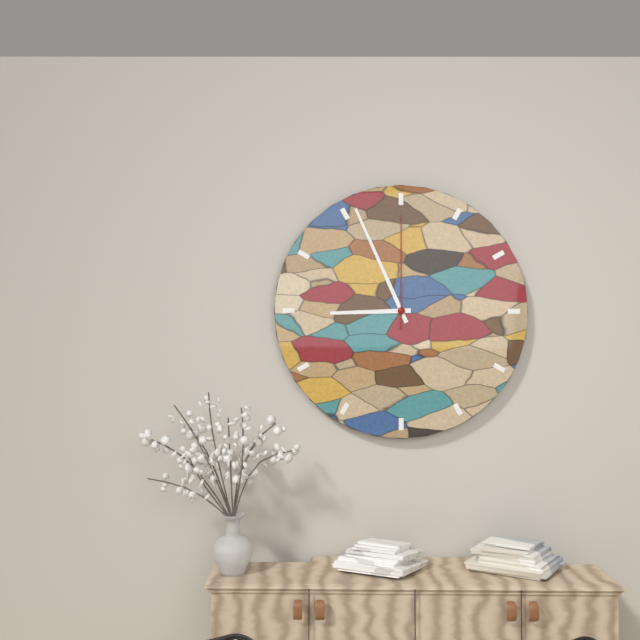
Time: 8h56m00s
